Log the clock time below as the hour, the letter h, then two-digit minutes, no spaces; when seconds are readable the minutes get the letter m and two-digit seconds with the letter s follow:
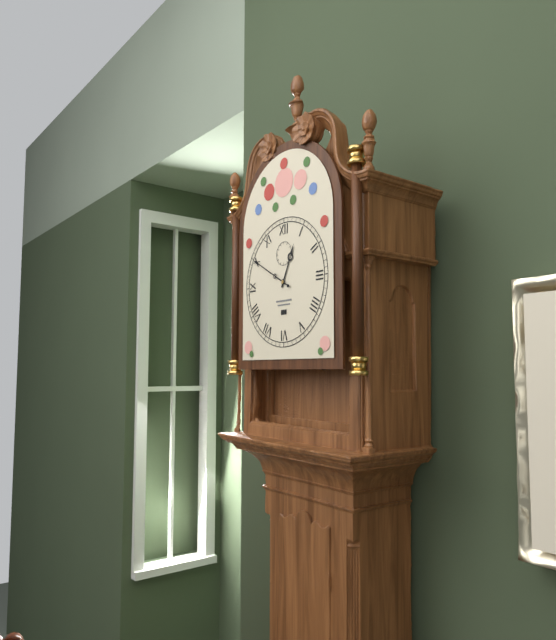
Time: 12h50
